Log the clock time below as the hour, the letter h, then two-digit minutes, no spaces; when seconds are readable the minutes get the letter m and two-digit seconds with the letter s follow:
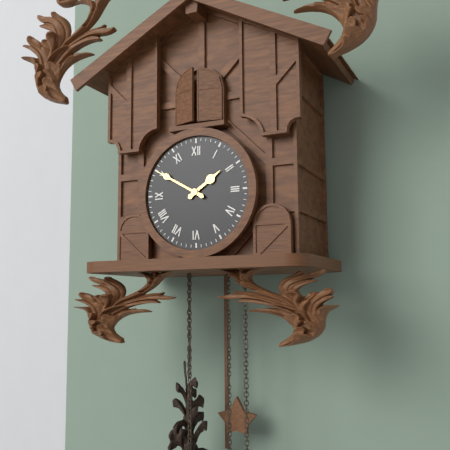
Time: 1h50
